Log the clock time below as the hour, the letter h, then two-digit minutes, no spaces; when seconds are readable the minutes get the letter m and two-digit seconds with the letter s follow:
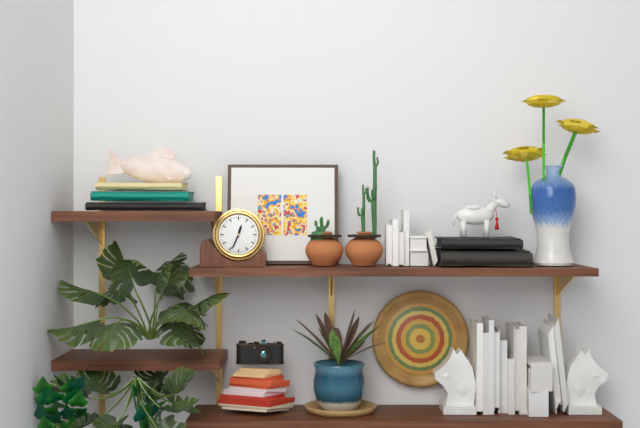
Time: 12h34
